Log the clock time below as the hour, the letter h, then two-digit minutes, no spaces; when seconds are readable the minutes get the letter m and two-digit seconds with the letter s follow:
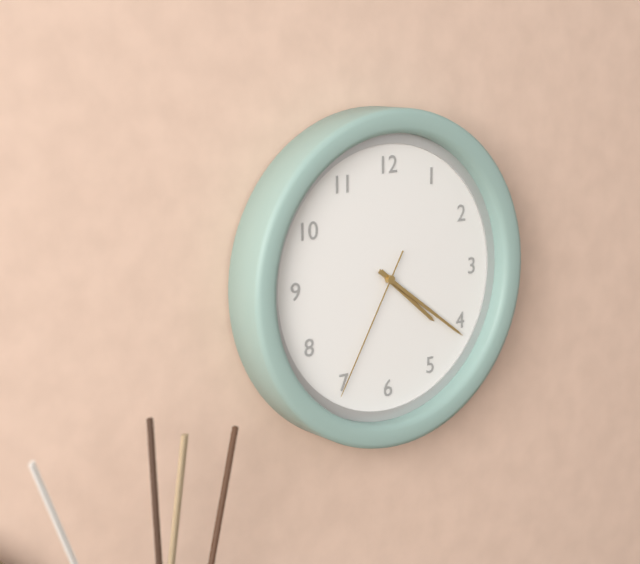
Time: 4h21m35s
